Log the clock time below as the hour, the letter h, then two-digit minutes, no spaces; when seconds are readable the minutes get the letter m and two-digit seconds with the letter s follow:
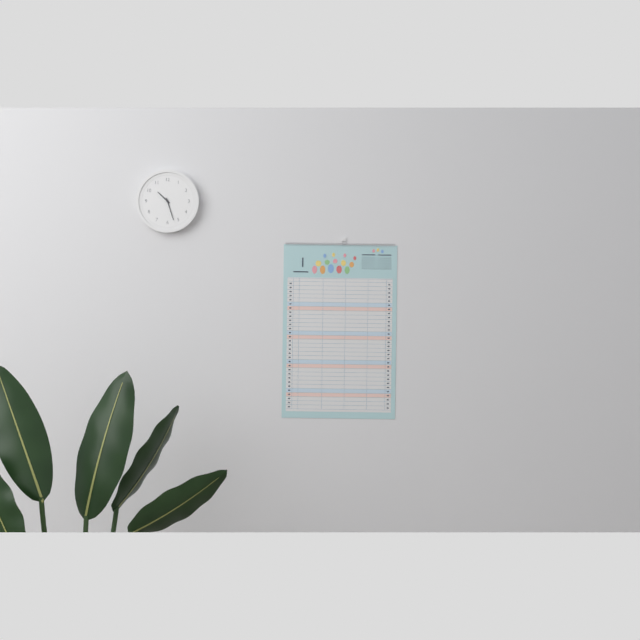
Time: 10h27
